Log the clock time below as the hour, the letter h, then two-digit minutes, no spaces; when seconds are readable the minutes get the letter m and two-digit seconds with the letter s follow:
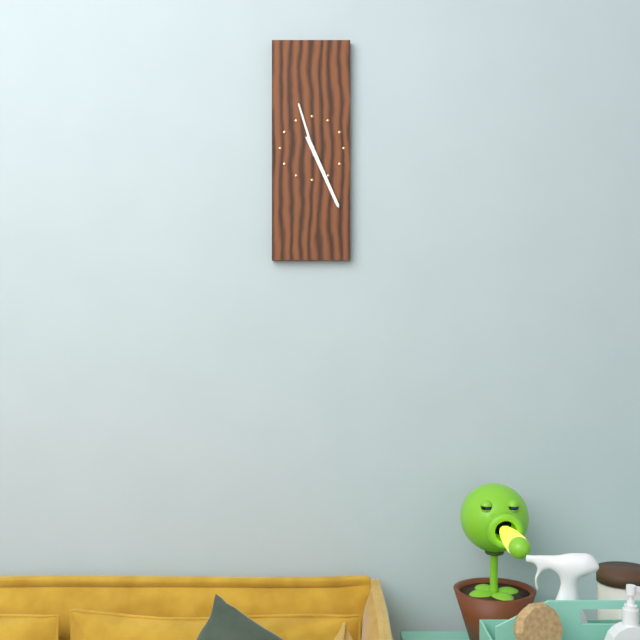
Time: 11h26
